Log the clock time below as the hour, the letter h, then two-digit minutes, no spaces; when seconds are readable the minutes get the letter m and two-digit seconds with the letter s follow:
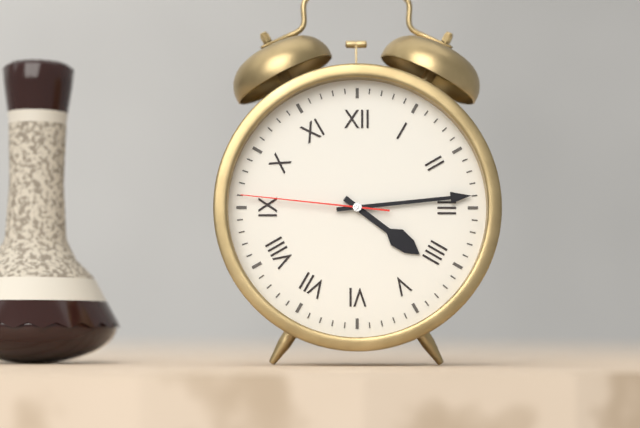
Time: 4h14m46s
